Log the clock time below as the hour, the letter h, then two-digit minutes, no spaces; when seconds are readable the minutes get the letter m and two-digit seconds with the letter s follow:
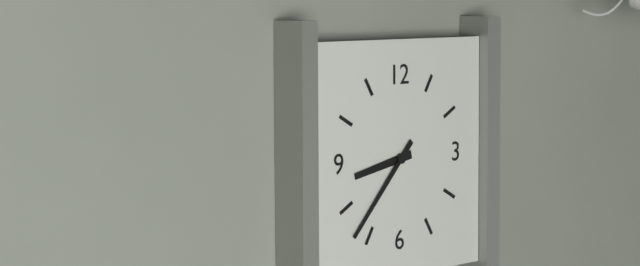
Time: 8h37
